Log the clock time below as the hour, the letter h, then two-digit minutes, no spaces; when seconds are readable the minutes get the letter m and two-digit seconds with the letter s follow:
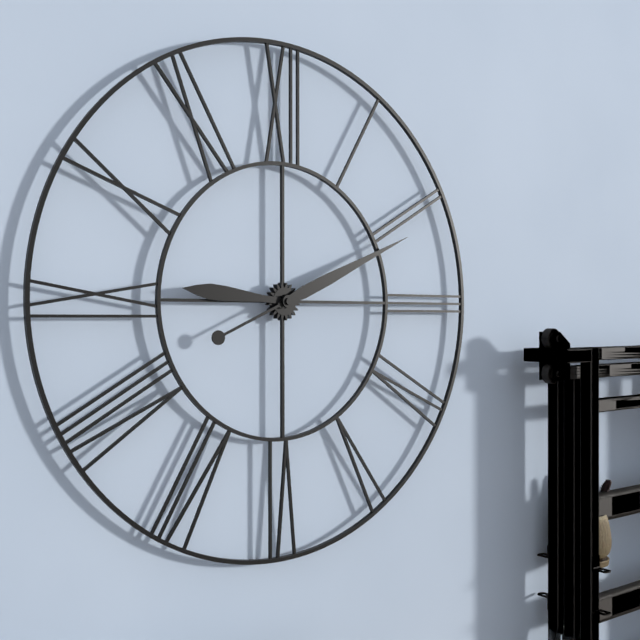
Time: 9h11
